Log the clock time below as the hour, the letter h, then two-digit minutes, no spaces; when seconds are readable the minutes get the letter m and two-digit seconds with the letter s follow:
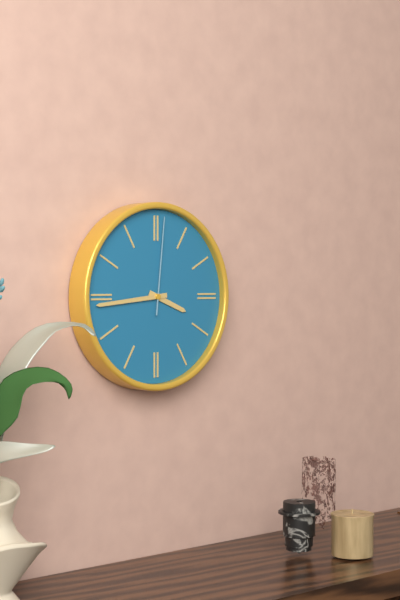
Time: 3h44m01s
